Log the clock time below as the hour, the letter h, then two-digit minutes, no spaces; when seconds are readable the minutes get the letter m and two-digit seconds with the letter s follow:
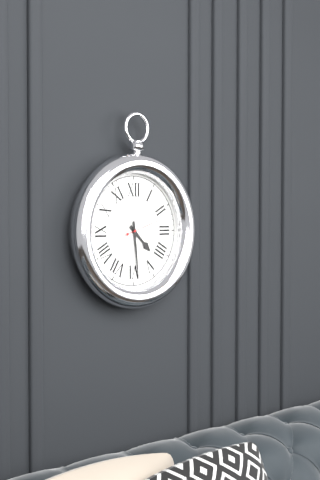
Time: 4h29
